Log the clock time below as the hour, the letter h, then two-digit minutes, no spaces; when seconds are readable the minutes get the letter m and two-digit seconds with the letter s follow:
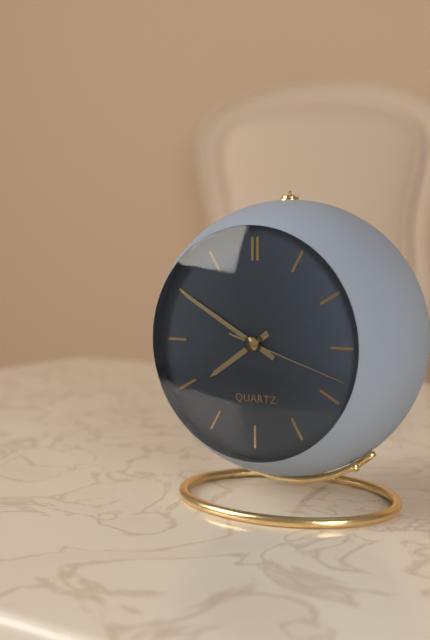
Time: 7h50m18s
